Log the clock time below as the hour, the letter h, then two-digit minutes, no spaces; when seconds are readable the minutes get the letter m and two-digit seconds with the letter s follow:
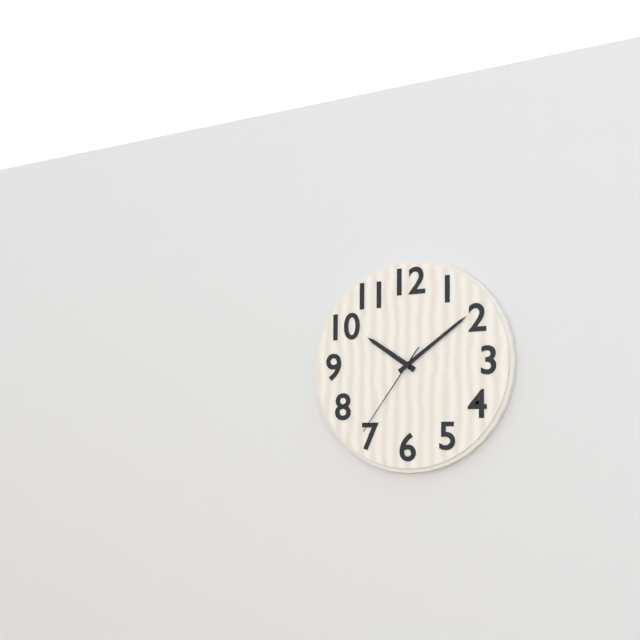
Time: 10h09m36s
